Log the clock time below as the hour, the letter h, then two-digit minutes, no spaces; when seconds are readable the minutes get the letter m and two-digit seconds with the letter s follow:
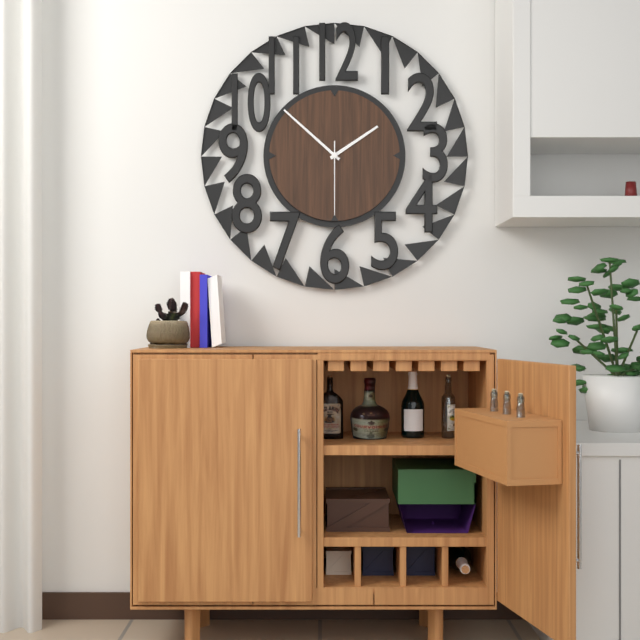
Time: 1h52m30s
